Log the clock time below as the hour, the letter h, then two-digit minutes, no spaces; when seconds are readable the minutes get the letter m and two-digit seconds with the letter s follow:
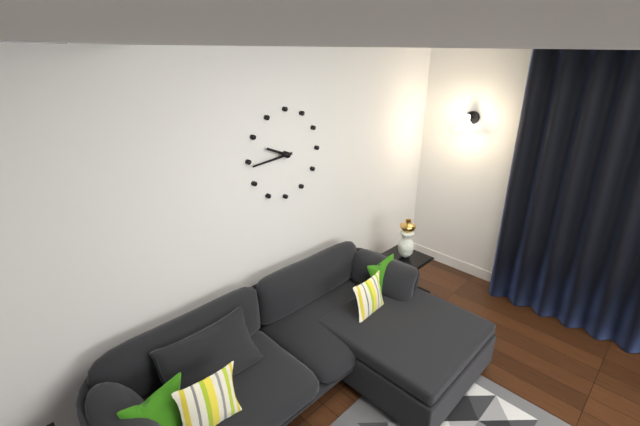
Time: 9h44
